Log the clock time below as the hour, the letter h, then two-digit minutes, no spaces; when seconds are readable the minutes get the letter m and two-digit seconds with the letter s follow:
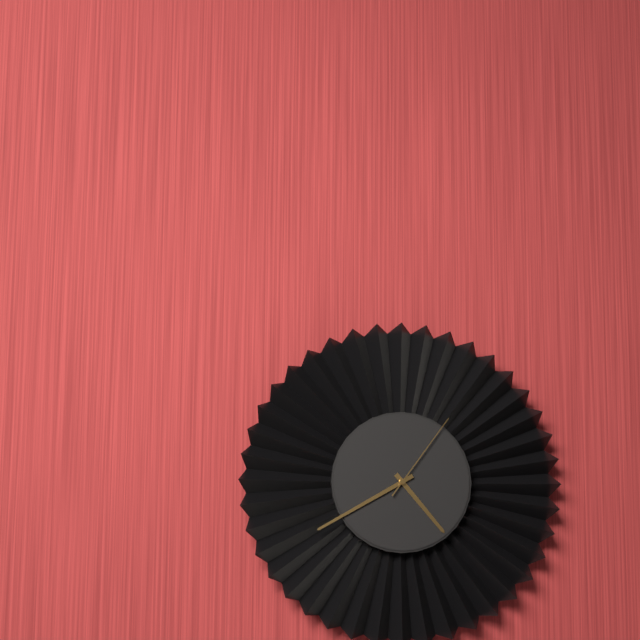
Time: 4h40m06s
